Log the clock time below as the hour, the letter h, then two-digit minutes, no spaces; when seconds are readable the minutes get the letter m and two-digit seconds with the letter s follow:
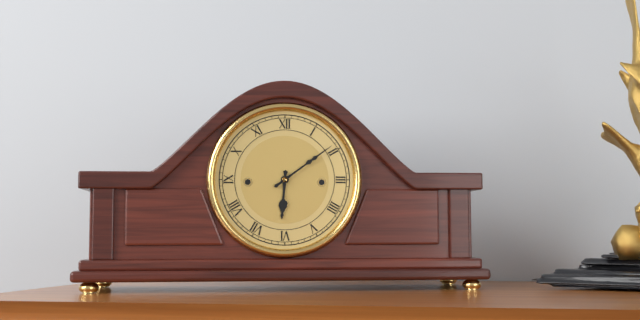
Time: 6h09
